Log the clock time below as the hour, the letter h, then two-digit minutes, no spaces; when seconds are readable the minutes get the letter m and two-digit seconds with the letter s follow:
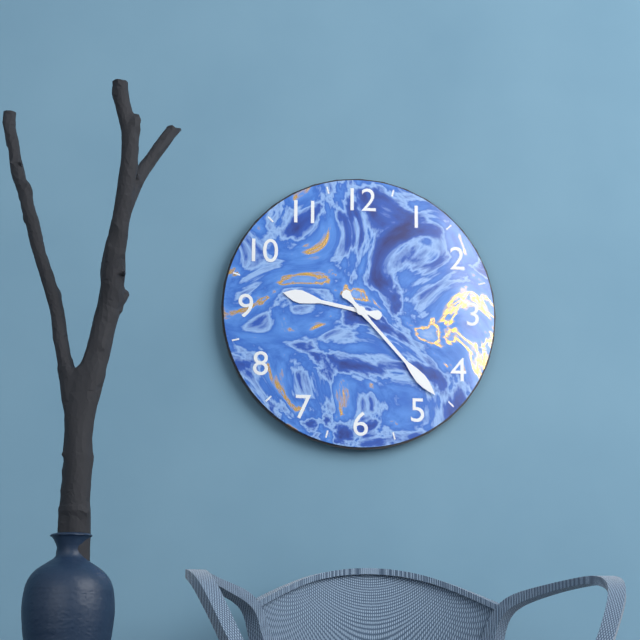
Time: 9h23
